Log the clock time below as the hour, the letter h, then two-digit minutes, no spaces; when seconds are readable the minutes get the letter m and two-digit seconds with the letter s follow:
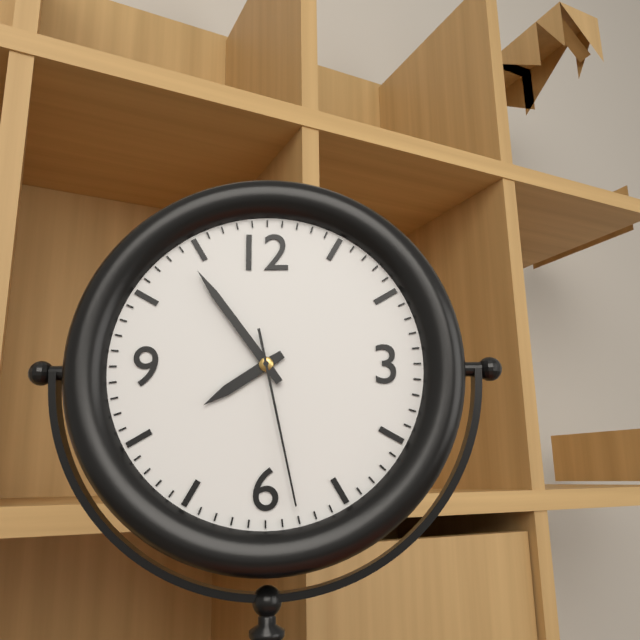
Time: 7h54m28s
